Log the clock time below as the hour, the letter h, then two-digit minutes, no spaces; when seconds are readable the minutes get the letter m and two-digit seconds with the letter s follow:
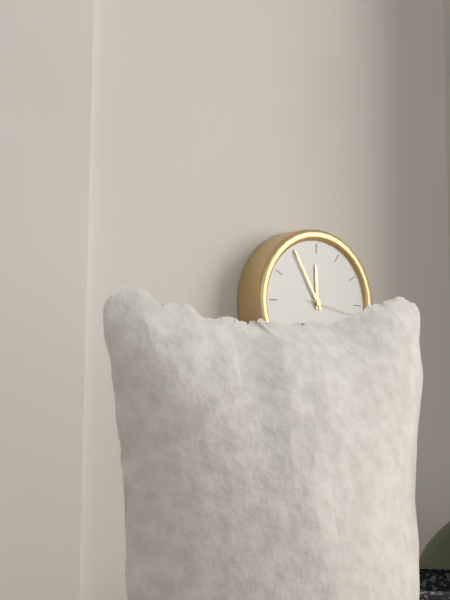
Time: 11h55m17s
